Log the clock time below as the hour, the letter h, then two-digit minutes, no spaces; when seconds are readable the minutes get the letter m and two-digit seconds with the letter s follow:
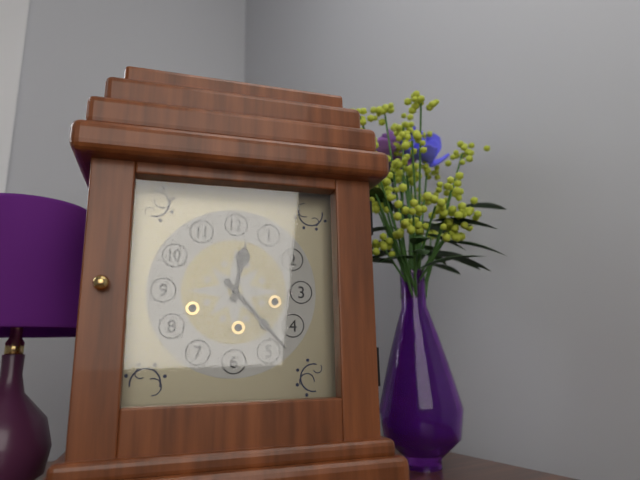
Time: 12h23
